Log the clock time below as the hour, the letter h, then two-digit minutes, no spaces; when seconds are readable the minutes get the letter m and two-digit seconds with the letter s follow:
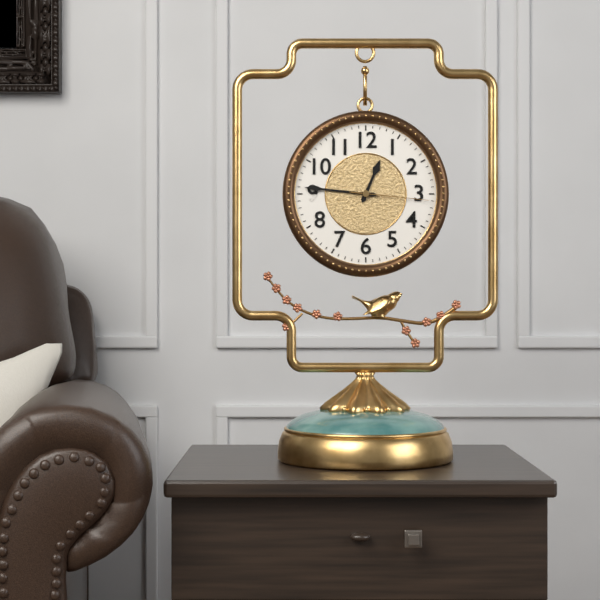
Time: 12h46m16s
